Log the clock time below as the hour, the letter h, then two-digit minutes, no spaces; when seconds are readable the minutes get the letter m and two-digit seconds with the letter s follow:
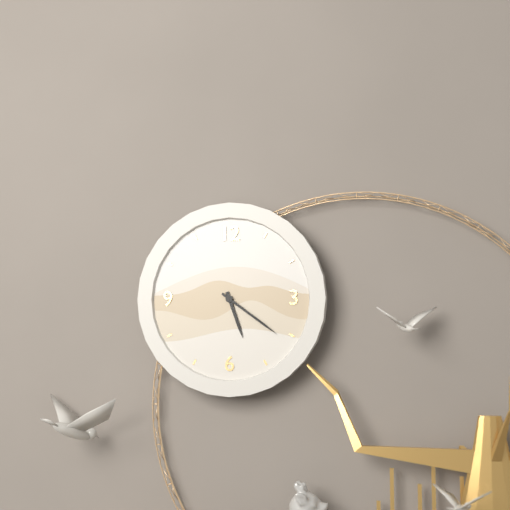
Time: 5h21
